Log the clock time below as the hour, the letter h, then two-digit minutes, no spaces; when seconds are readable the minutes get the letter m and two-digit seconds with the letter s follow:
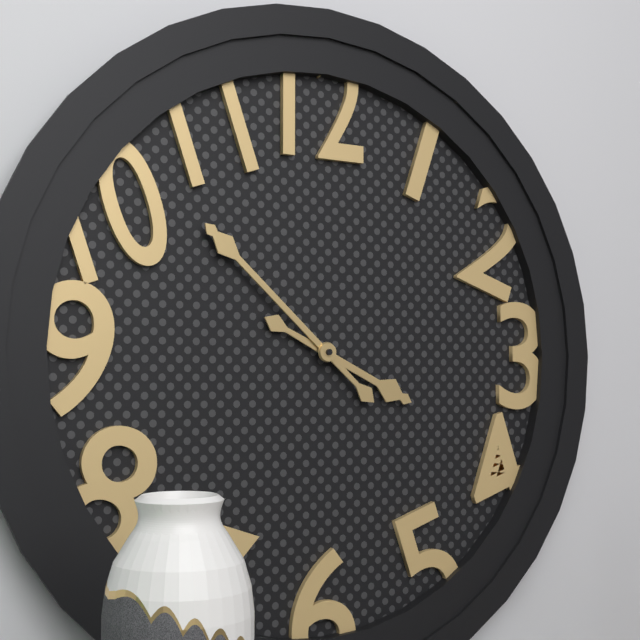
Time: 3h52
